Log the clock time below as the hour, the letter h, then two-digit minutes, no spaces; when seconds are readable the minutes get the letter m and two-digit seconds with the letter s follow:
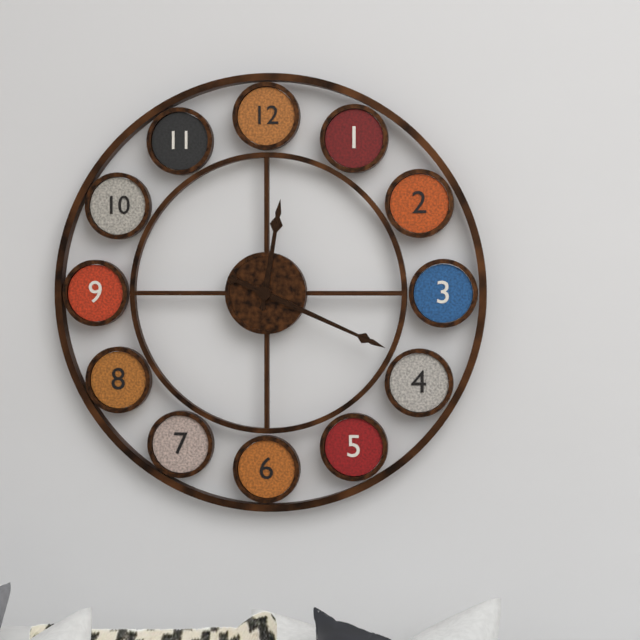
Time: 12h19
